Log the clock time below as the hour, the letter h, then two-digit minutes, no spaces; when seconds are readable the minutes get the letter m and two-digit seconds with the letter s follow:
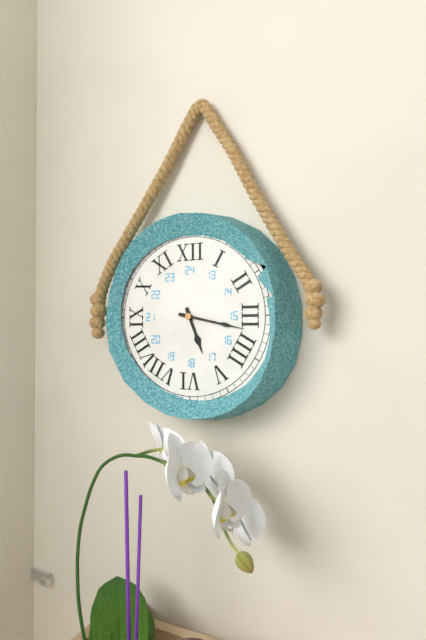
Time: 5h17
